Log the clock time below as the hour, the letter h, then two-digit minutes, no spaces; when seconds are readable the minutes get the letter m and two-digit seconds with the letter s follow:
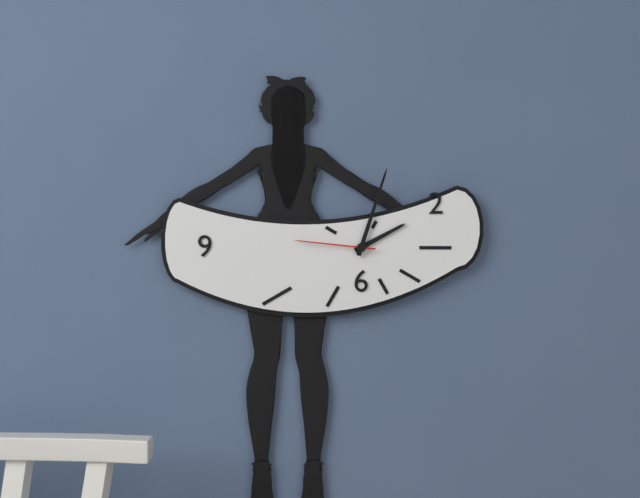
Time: 2h03m46s
